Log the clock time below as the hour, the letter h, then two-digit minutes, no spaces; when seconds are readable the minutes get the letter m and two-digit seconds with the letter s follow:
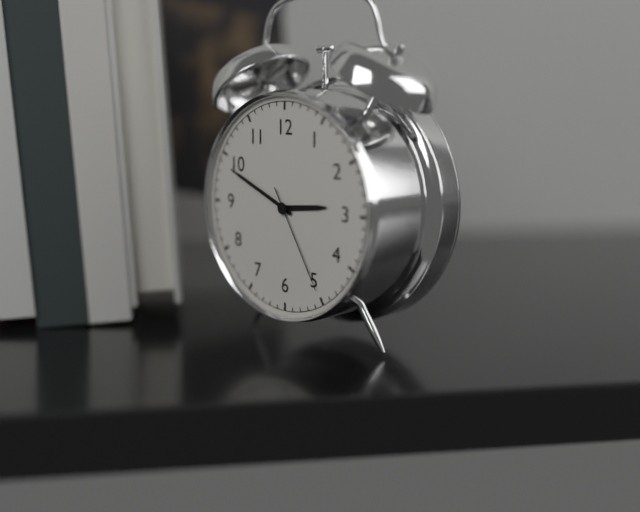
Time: 2h49m25s
